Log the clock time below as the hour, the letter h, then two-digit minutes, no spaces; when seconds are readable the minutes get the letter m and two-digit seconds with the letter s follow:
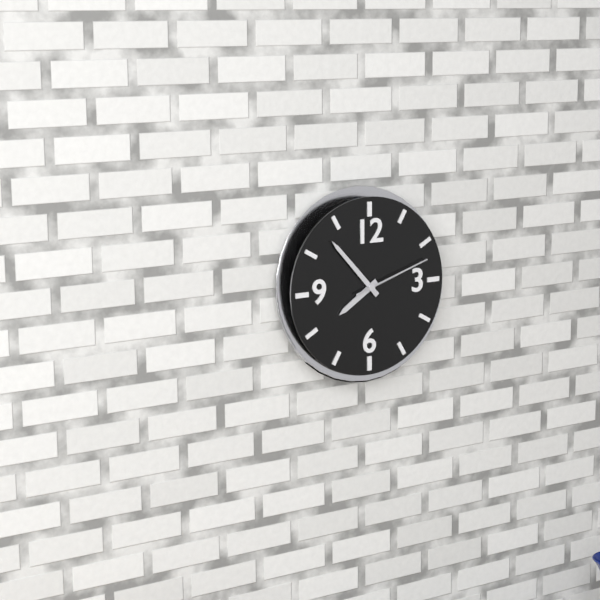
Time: 7h53m12s
